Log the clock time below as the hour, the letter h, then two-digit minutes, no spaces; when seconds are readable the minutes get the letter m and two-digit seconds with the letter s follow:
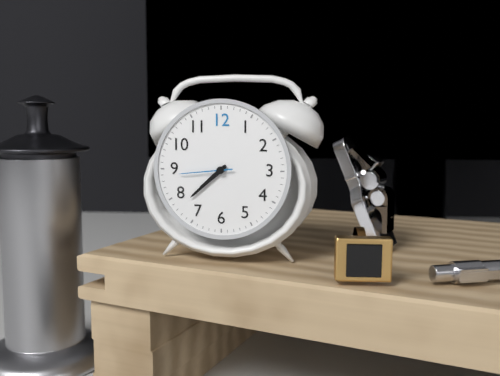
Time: 7h38m44s
